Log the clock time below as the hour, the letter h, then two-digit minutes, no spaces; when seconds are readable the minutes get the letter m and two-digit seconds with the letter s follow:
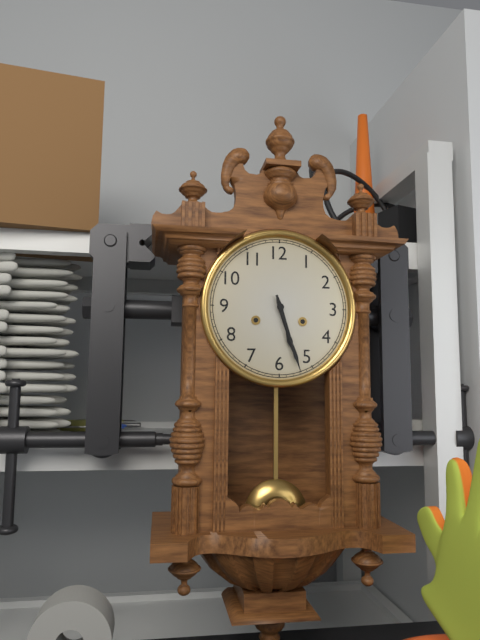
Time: 5h27
